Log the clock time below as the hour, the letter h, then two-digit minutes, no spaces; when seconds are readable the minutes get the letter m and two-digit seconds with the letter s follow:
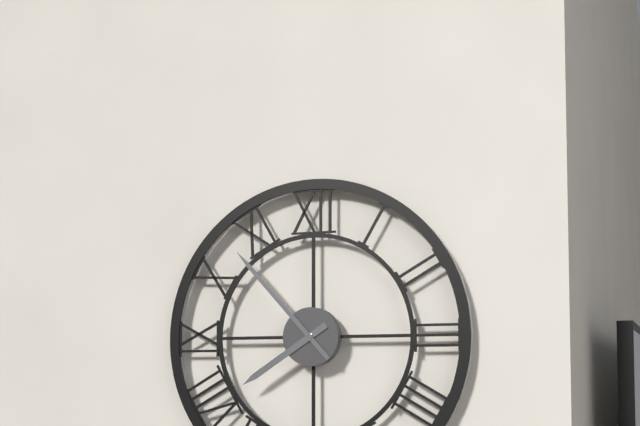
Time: 7h53
